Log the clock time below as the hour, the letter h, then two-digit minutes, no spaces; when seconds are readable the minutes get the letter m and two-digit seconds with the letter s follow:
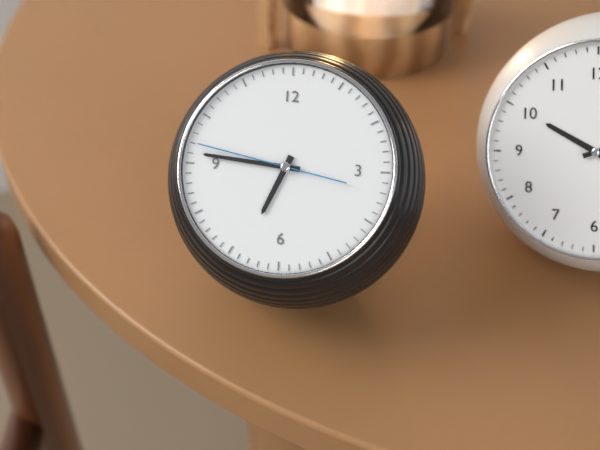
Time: 6h46m47s
